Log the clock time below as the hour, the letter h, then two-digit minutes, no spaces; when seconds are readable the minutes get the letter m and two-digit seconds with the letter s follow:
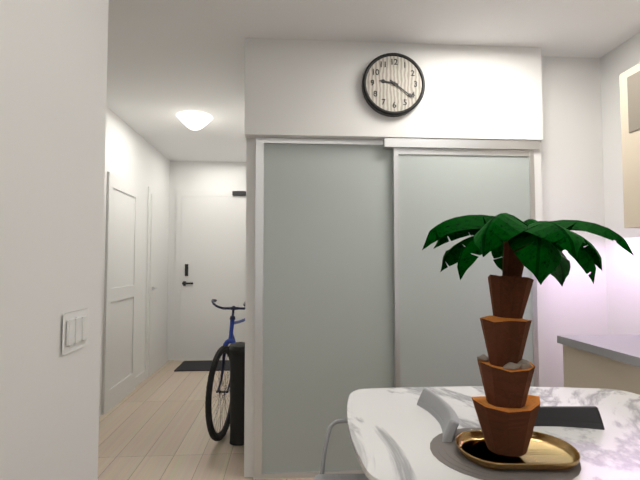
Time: 9h21
